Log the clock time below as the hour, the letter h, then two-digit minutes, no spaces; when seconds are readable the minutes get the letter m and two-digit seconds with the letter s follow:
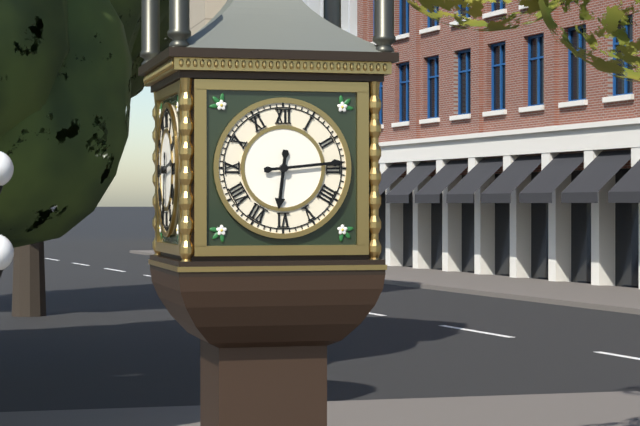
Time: 6h14
